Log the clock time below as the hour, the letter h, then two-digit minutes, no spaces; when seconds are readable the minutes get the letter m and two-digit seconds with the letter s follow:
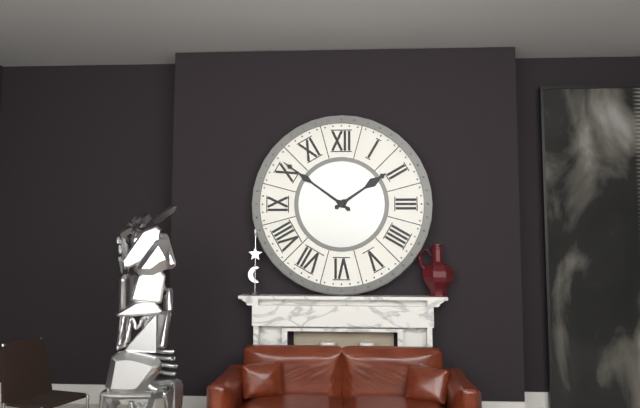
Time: 1h51
